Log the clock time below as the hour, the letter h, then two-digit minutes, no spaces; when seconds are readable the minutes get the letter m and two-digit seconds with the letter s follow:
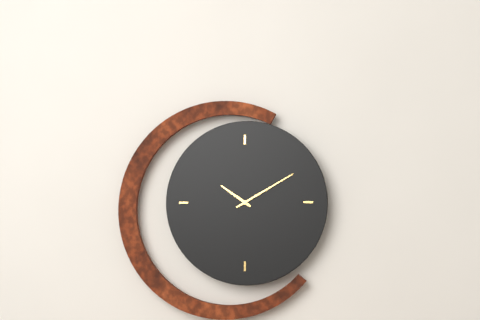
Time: 10h10
